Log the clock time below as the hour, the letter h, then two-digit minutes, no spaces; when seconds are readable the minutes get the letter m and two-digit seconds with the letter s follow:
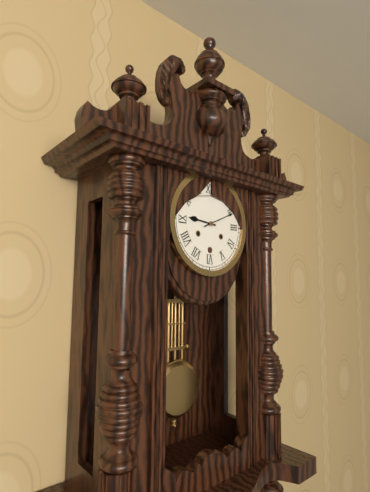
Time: 9h11
